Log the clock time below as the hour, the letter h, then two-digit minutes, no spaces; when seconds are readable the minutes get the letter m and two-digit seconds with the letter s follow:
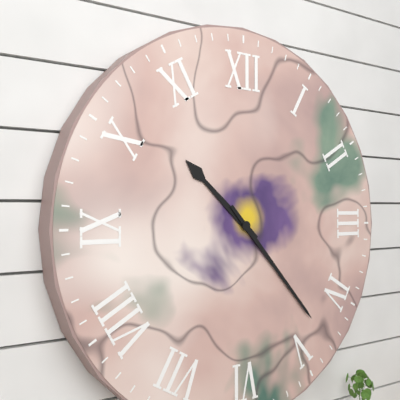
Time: 10h23
